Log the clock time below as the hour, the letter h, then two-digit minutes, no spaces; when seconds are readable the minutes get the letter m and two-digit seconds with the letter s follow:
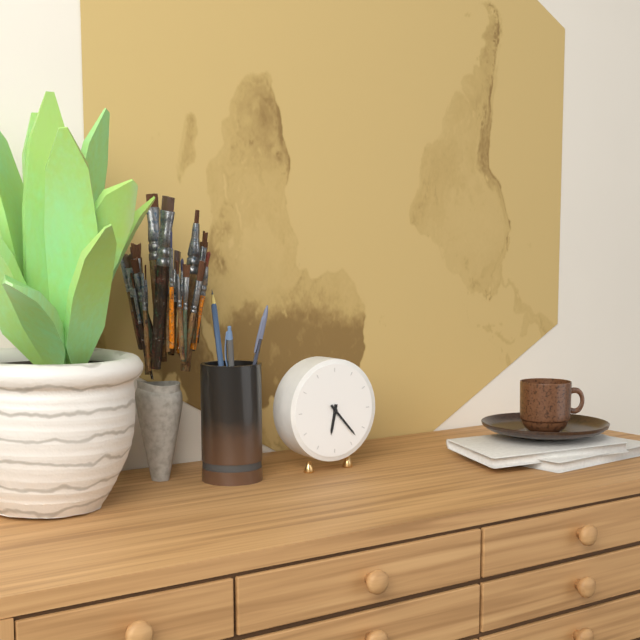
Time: 6h23
